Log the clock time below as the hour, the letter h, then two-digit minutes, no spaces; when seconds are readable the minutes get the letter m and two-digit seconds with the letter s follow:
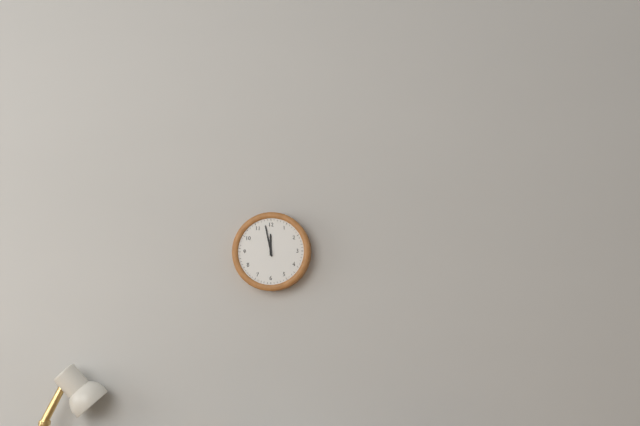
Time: 11h58
